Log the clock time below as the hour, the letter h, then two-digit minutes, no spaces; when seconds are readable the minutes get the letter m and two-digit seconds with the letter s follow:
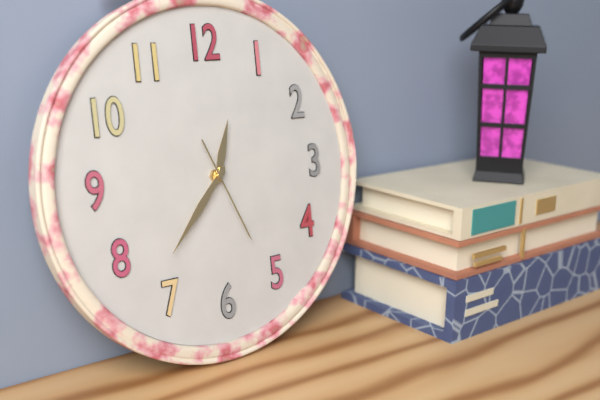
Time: 12h37m26s
